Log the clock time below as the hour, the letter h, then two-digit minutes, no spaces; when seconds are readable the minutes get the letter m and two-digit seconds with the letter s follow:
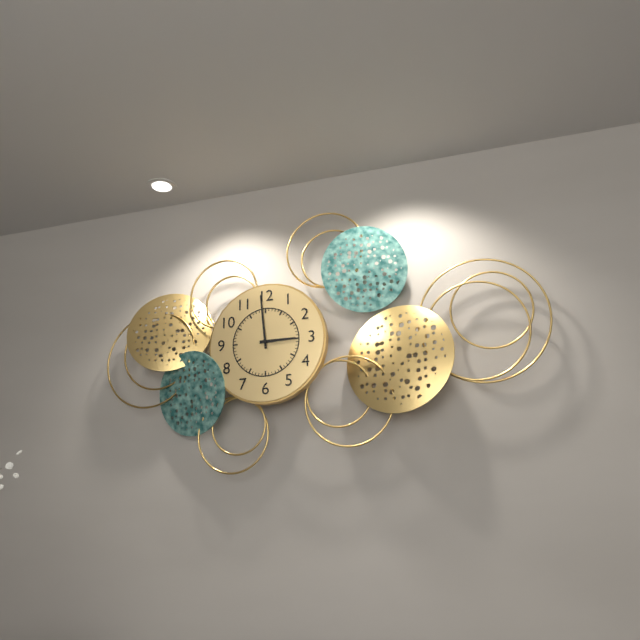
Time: 2h59
